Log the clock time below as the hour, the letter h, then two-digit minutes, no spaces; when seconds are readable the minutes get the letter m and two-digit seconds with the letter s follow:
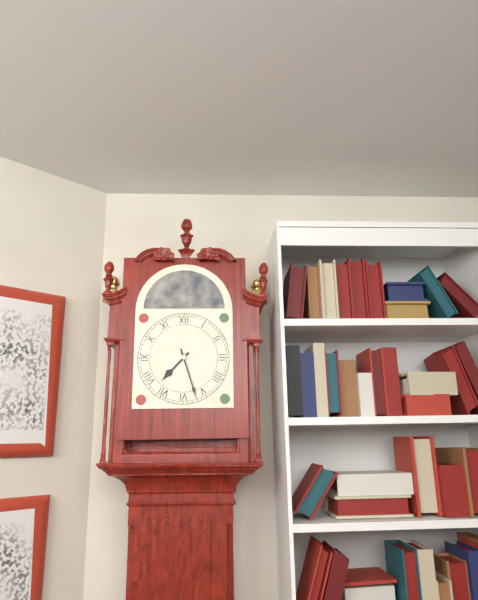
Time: 7h27
